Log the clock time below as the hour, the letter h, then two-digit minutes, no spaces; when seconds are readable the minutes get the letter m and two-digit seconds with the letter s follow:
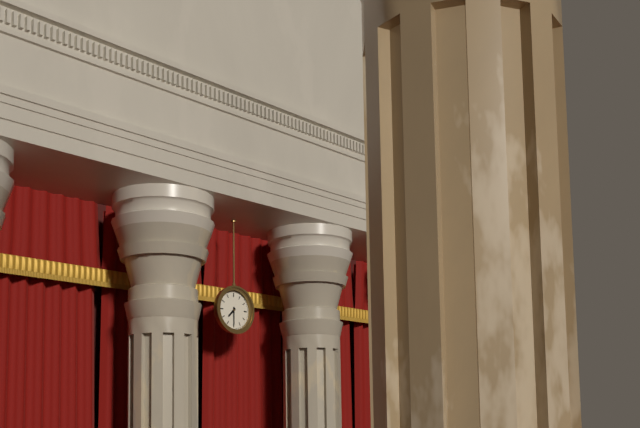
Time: 7h30
